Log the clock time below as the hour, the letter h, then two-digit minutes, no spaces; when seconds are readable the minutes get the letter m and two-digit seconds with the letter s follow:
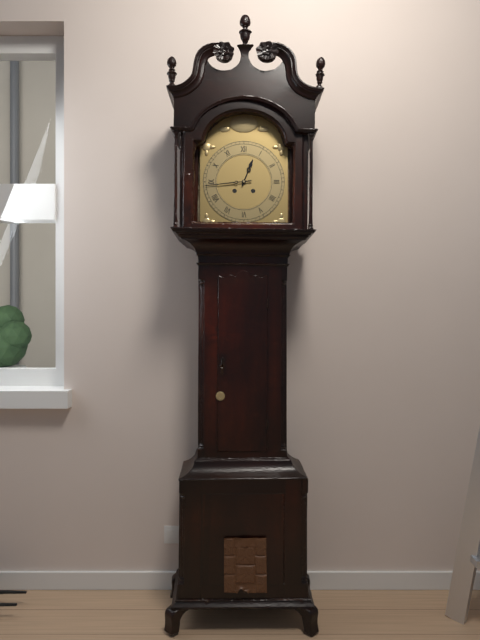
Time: 12h44
